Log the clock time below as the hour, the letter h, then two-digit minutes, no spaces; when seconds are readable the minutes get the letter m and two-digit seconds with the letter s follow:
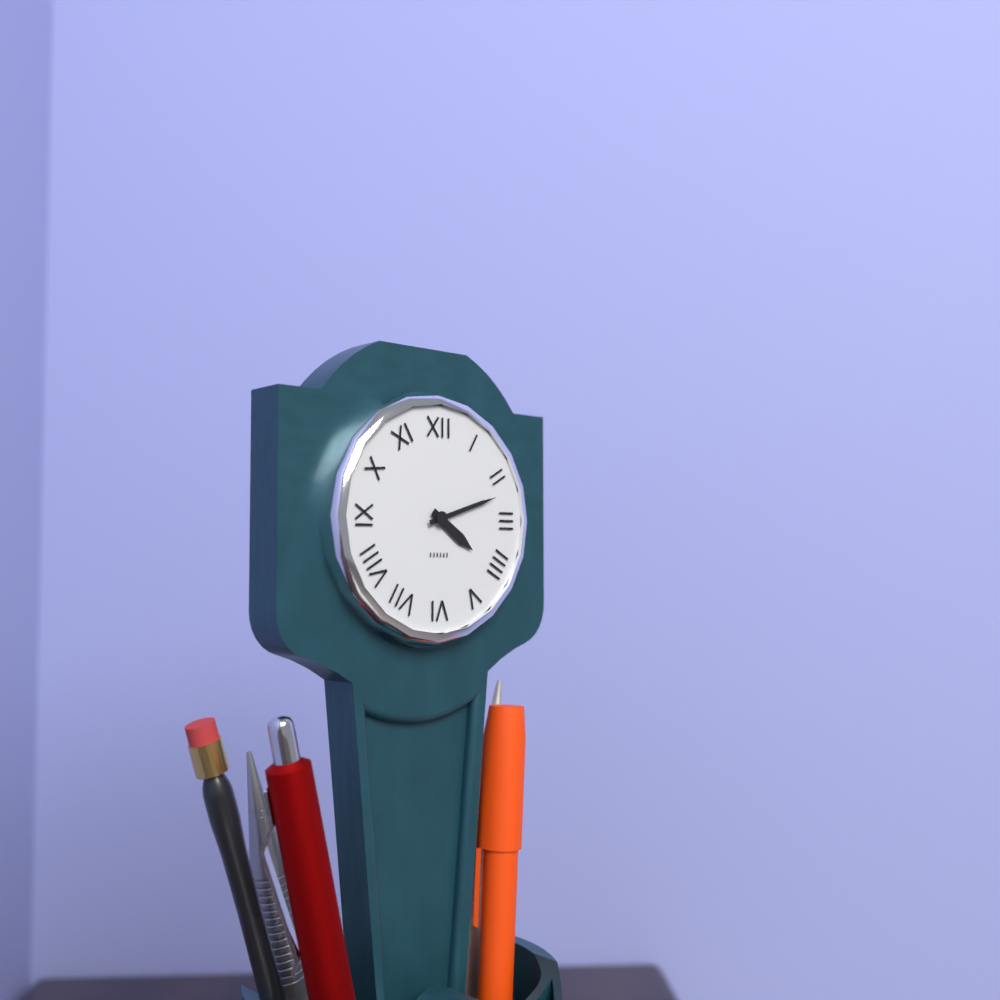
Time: 4h12
